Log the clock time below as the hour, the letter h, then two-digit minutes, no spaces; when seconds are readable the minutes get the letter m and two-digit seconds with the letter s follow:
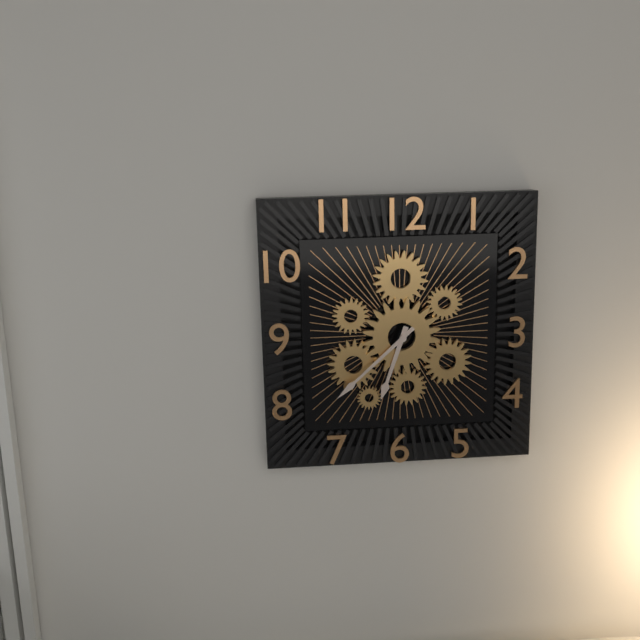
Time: 6h38
